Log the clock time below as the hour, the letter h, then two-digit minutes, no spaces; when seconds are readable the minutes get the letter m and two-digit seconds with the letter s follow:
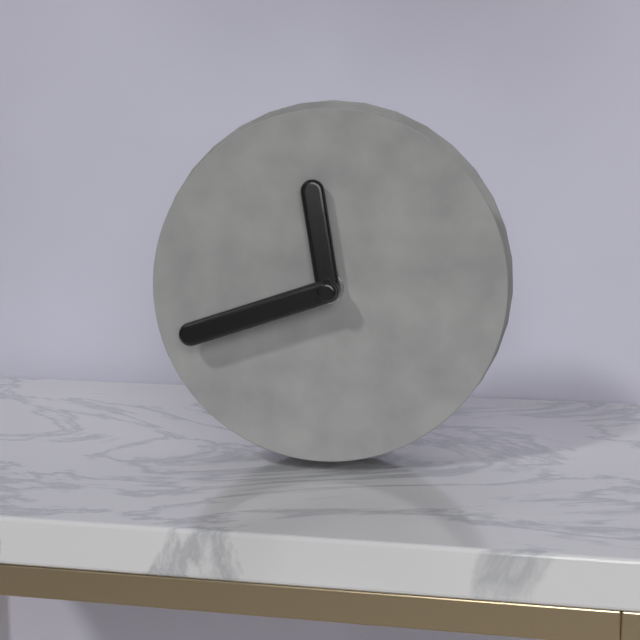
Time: 11h42
